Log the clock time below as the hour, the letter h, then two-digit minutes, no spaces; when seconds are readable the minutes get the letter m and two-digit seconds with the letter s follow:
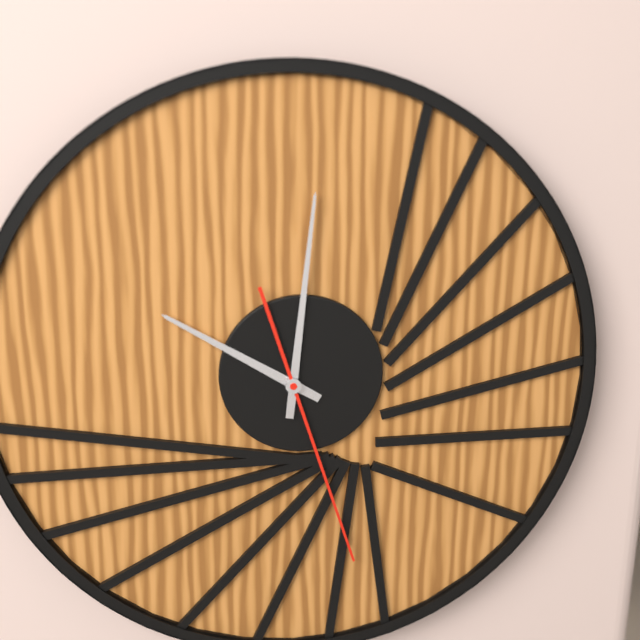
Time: 10h01m27s
